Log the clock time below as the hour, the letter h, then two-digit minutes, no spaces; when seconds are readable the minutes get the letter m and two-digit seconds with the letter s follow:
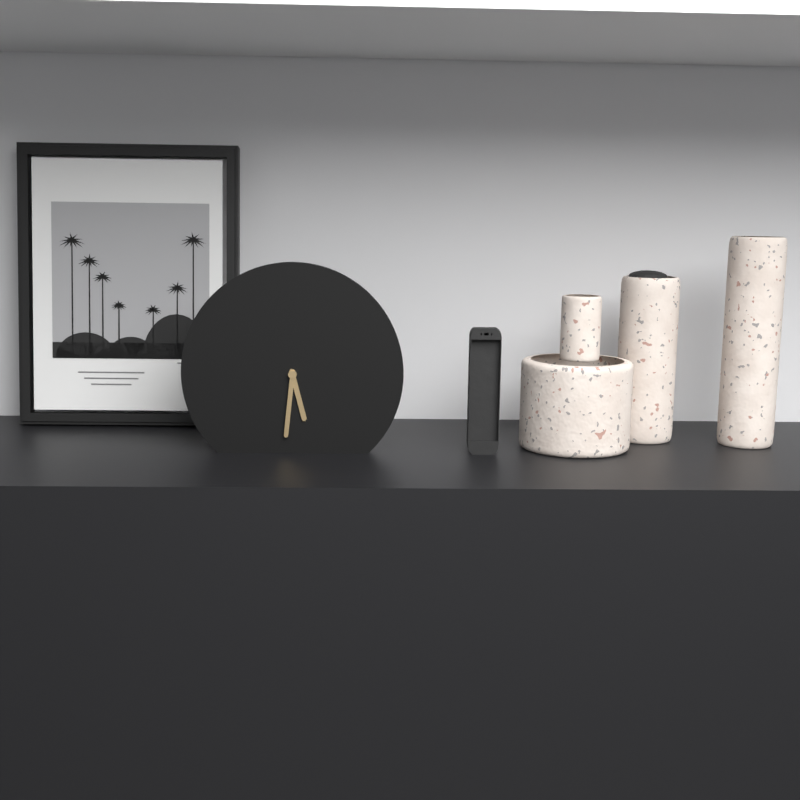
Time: 5h31
